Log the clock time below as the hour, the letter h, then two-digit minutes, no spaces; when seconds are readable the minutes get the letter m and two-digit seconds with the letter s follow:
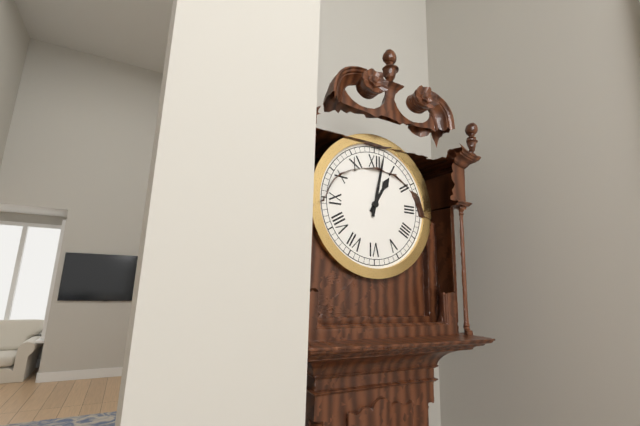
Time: 1h02
